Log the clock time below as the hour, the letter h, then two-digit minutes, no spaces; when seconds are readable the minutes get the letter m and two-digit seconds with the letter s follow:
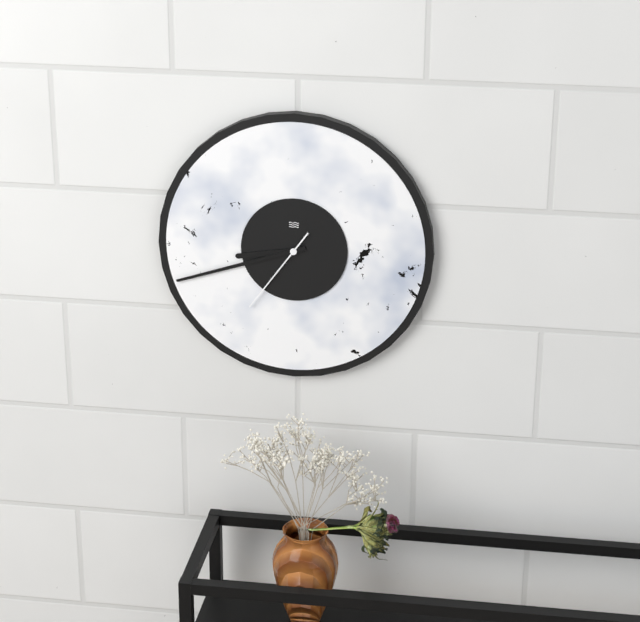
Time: 8h42m36s
